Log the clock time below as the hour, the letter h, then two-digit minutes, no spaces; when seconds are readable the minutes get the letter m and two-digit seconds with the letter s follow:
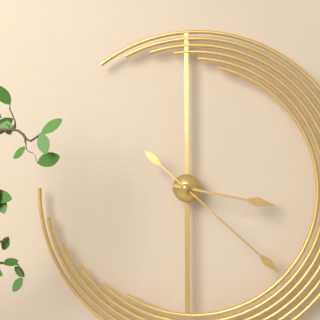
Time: 3h22
